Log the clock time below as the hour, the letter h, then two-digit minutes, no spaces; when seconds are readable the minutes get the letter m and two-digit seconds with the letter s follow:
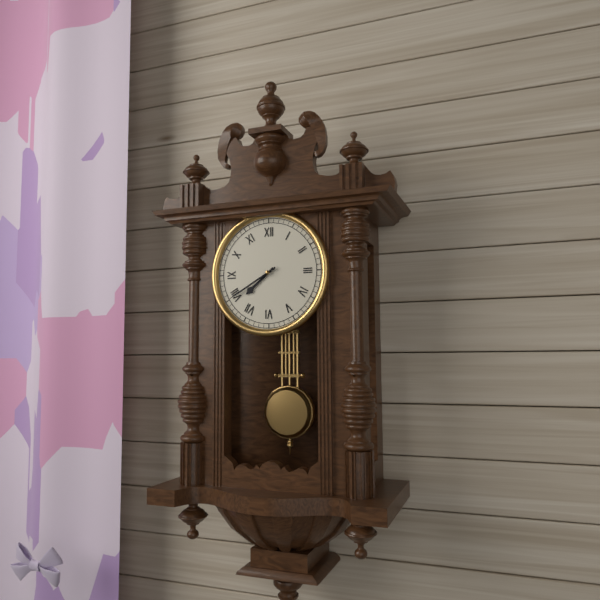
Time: 7h40
